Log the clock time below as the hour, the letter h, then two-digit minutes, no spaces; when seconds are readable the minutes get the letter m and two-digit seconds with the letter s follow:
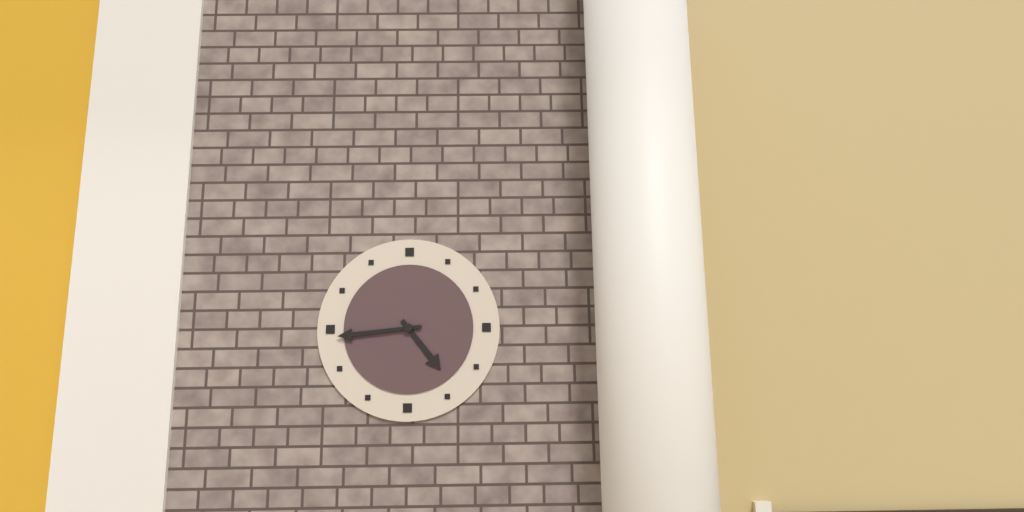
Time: 4h44
